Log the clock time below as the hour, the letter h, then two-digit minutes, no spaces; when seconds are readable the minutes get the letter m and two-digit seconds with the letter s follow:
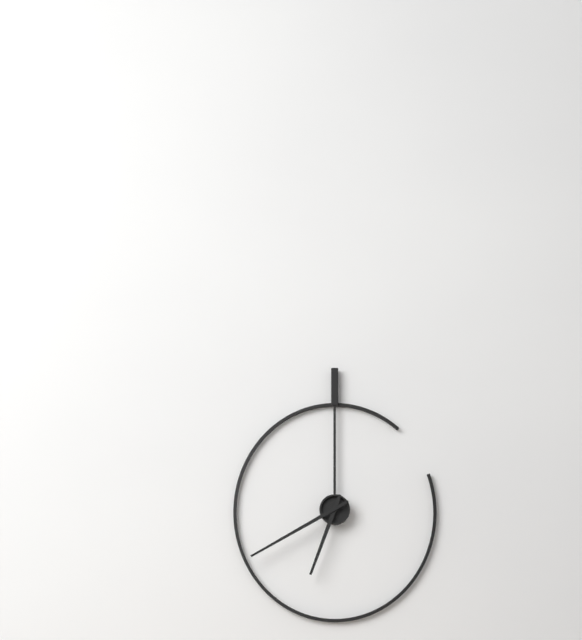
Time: 6h40
